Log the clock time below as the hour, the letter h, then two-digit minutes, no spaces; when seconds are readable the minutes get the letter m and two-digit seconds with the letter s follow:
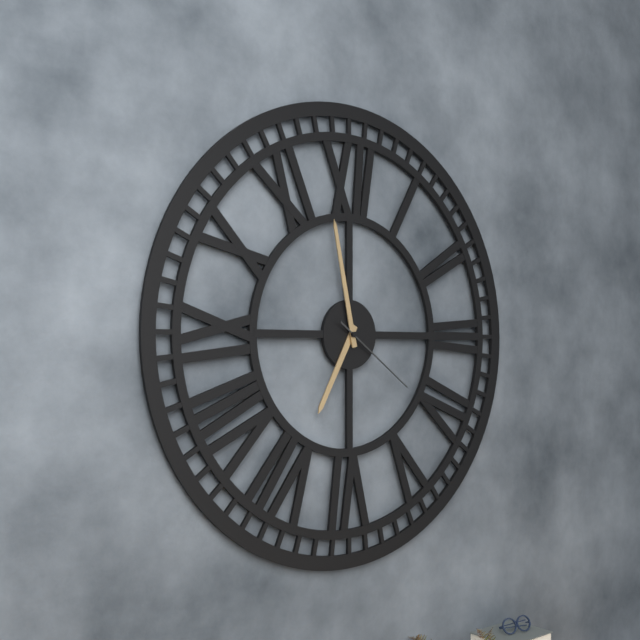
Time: 6h58m21s
